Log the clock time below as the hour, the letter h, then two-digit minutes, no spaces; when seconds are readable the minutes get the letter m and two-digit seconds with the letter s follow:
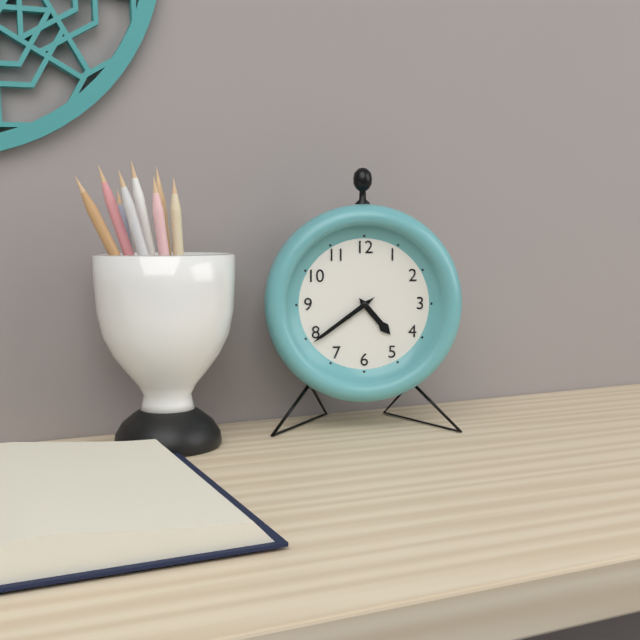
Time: 4h39
